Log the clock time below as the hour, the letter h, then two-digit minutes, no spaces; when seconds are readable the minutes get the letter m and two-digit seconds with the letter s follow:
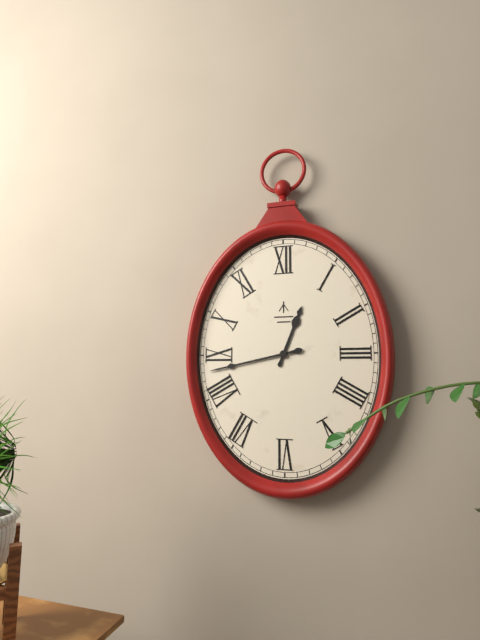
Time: 12h43
